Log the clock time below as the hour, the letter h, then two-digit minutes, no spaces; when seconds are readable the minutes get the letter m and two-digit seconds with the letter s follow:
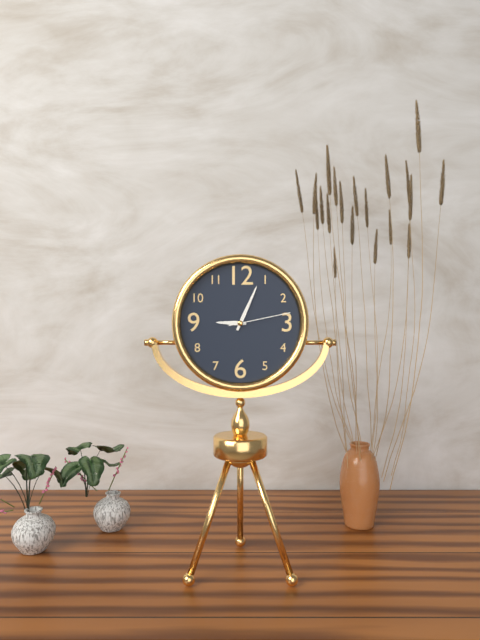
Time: 9h04m13s
